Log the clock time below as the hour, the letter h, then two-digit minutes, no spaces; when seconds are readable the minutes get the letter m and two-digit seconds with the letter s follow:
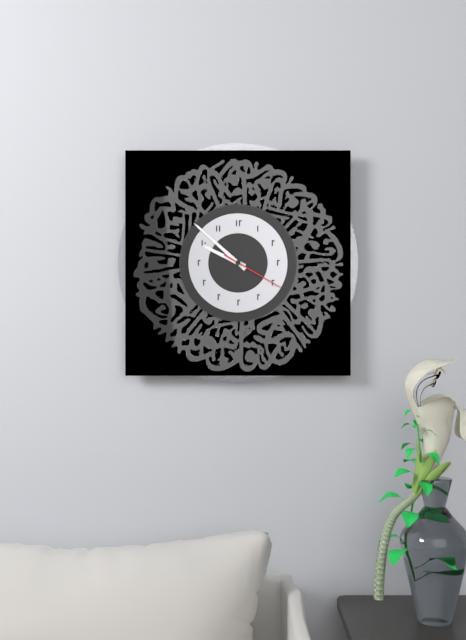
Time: 9h52m20s
